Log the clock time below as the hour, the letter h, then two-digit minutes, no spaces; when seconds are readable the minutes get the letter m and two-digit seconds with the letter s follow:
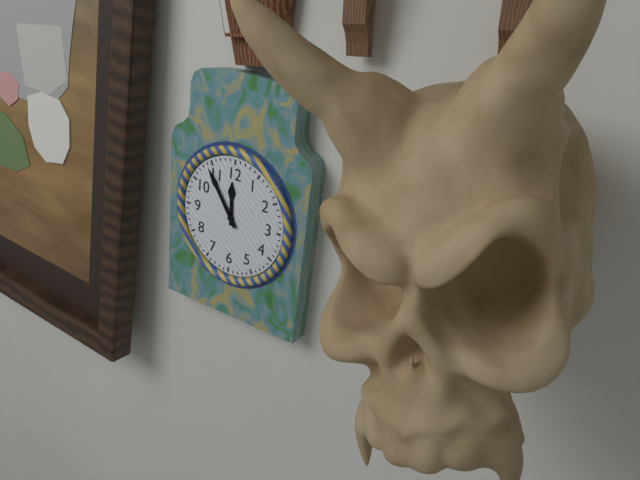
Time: 11h54
